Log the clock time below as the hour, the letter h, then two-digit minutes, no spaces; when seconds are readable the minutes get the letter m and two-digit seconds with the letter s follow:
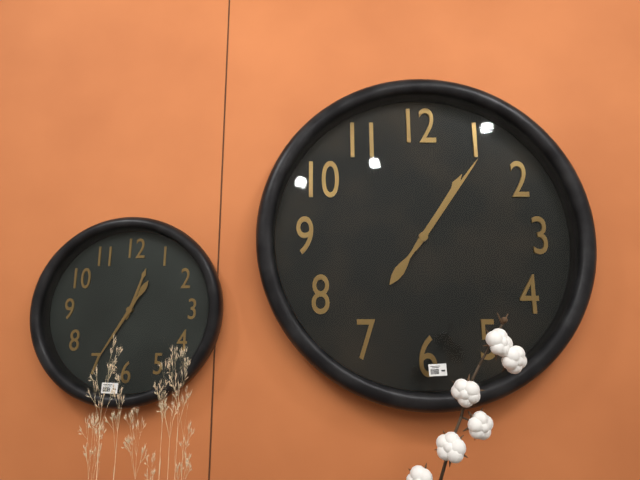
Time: 1h06
